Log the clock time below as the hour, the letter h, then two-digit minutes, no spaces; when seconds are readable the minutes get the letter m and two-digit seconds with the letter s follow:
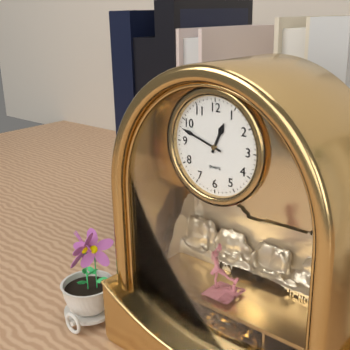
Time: 12h48
